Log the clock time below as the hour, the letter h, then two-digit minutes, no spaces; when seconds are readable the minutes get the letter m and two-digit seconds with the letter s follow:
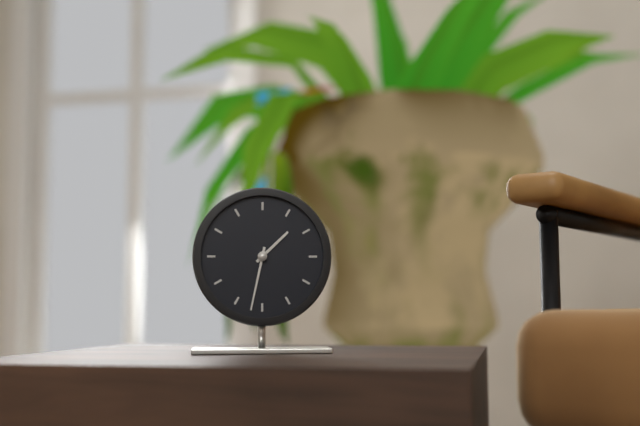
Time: 1h32
